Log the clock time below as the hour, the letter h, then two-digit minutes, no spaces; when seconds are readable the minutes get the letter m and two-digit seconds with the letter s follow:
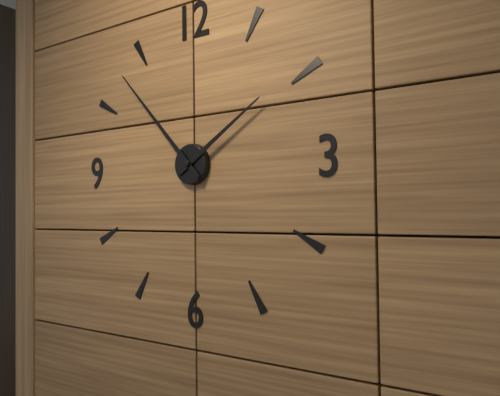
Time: 1h53
